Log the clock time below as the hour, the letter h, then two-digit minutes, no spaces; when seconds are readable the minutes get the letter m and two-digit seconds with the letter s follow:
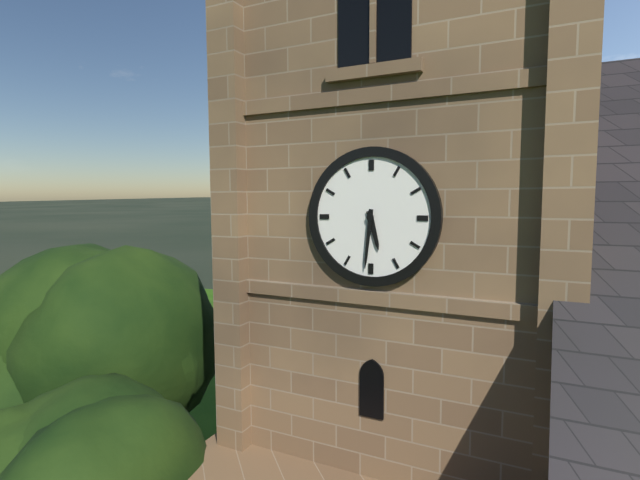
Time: 5h31
